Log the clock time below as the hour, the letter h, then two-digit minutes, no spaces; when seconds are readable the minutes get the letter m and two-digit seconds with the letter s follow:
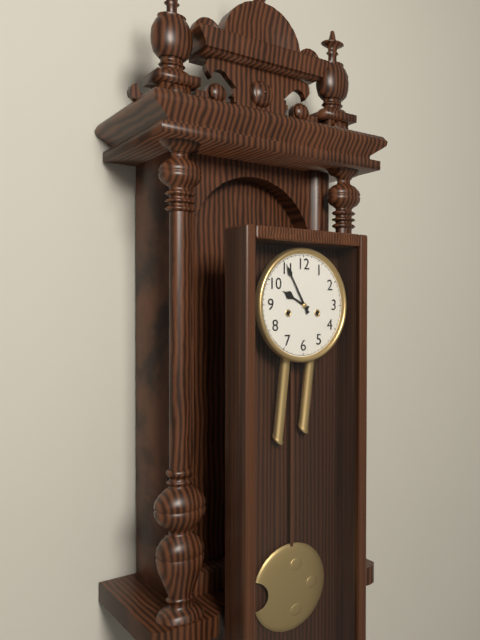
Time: 9h55
